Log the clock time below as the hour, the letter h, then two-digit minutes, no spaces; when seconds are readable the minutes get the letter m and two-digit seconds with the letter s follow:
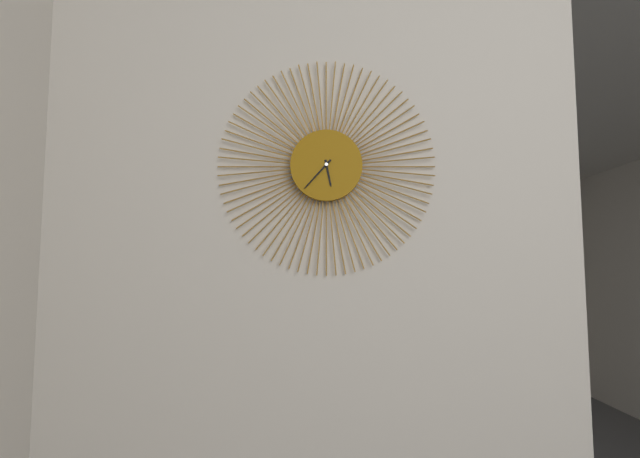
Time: 5h37
